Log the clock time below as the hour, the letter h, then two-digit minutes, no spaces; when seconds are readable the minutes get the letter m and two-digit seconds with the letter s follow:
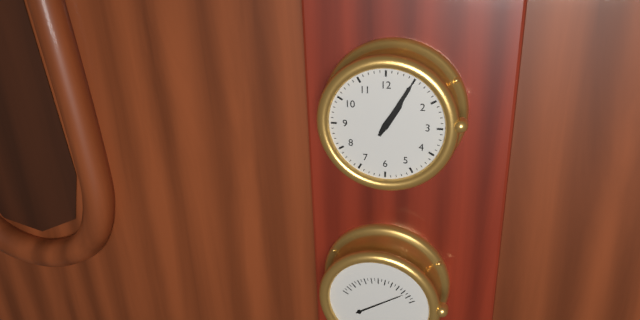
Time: 1h05
